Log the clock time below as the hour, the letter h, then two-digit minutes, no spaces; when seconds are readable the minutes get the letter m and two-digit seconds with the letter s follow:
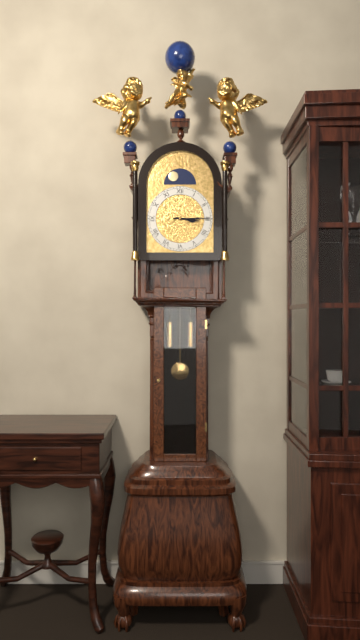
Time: 3h15
